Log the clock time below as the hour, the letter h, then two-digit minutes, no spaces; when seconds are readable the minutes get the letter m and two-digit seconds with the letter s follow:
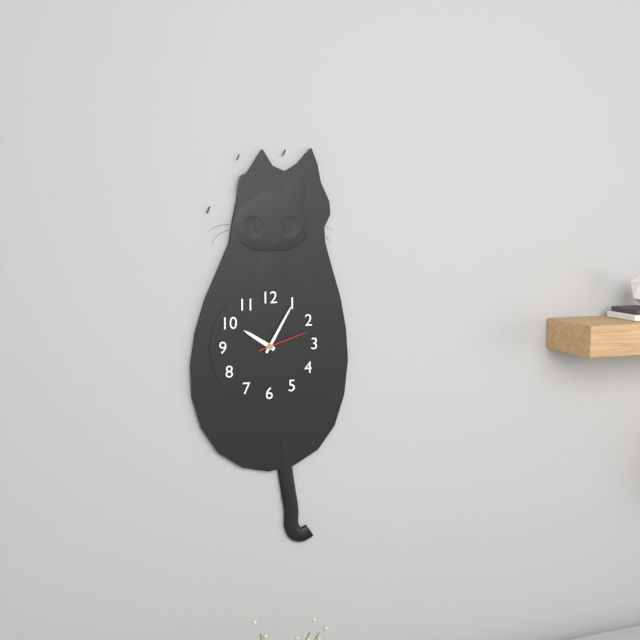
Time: 10h05m12s
